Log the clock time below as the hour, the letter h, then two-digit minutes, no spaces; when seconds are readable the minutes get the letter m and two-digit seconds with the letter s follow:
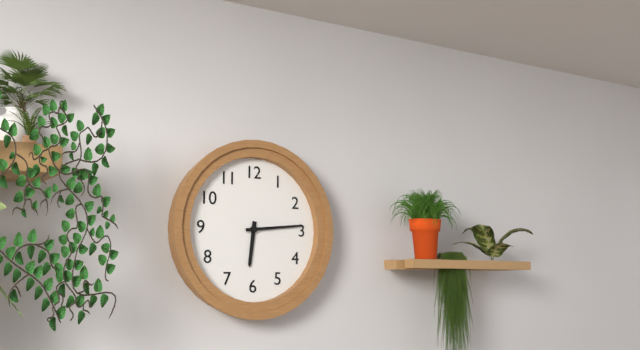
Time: 6h14
